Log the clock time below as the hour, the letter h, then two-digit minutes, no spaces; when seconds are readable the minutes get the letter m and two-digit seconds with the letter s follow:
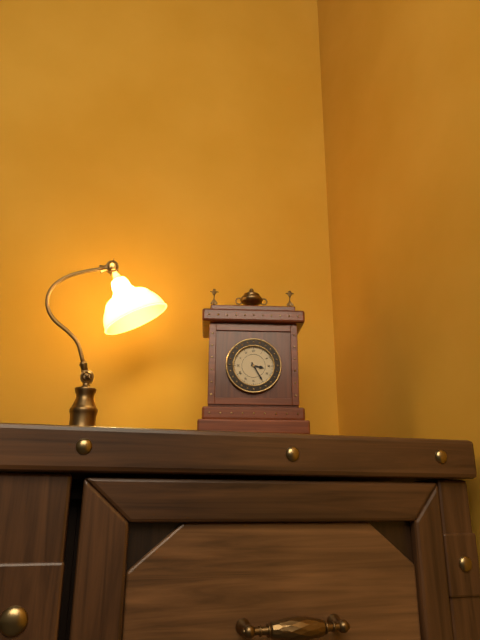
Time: 3h25
